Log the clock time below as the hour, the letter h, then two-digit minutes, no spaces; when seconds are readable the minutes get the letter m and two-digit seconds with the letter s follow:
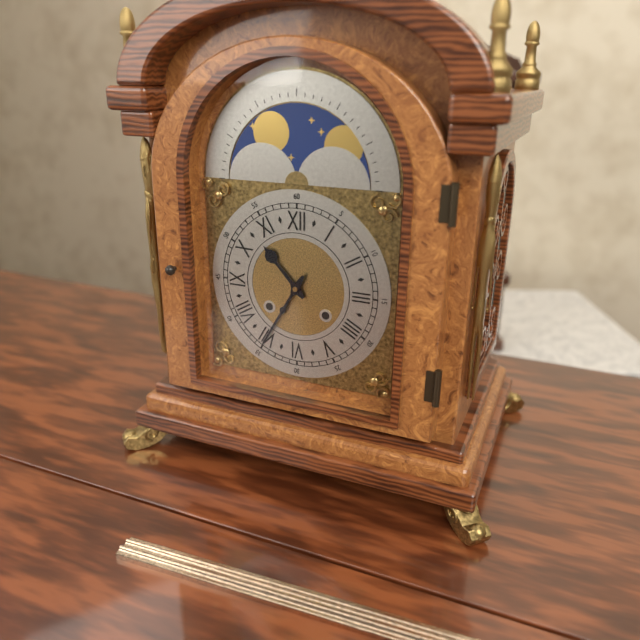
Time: 10h35
